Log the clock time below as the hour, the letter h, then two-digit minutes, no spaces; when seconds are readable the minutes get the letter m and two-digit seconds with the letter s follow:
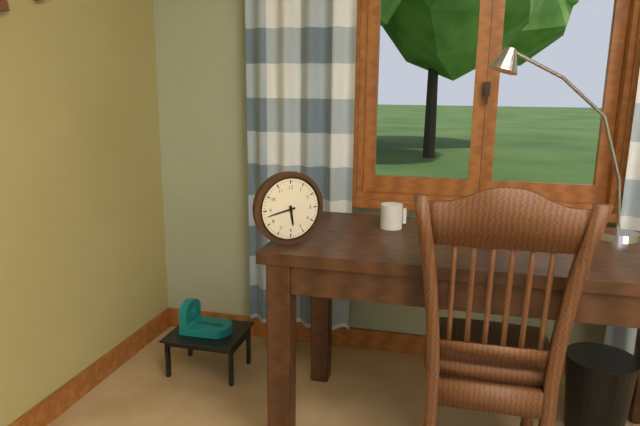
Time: 5h43
